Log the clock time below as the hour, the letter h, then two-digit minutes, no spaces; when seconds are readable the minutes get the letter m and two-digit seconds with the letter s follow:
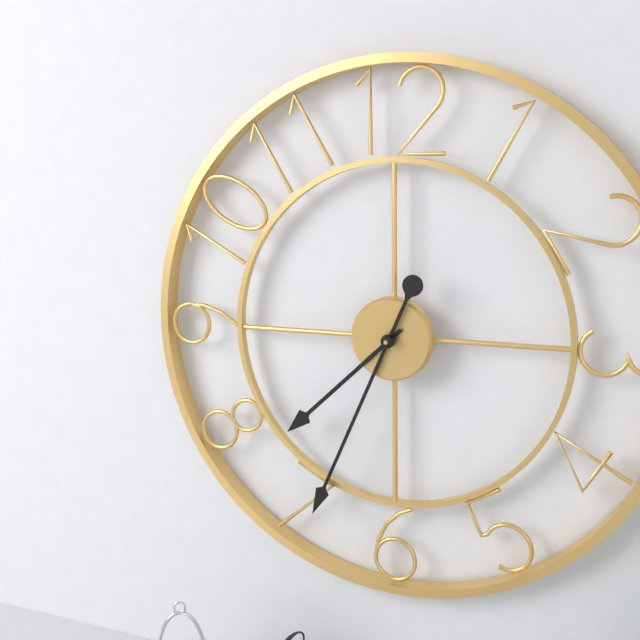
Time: 7h34
